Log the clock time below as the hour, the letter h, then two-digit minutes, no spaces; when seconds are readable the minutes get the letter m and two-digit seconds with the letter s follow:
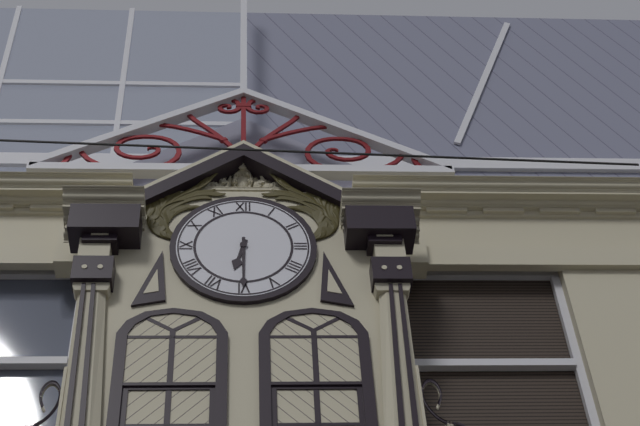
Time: 6h30
